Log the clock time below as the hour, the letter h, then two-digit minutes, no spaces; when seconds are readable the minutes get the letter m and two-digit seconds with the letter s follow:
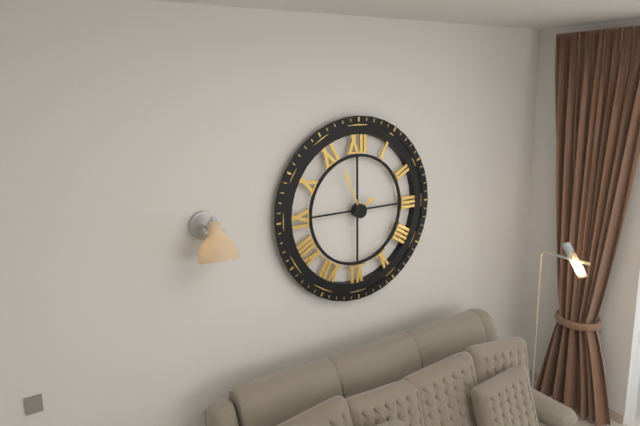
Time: 1h56
